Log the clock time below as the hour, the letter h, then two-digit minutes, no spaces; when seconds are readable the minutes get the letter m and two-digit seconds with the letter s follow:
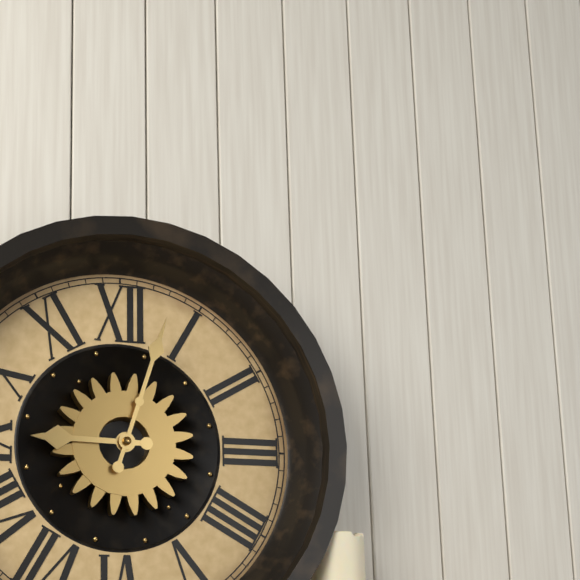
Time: 9h03
